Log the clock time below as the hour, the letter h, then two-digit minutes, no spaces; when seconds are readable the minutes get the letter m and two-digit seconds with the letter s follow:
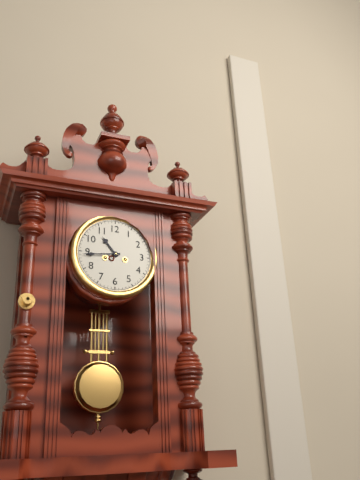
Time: 10h44
